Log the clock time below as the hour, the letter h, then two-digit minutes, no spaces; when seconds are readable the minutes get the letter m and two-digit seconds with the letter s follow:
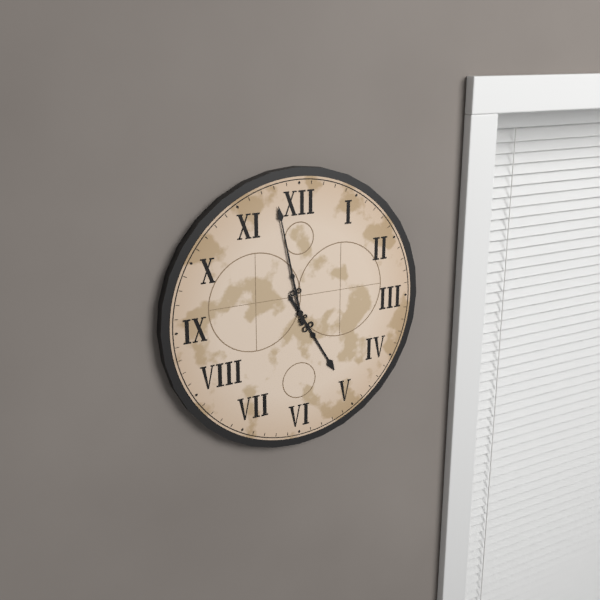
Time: 4h58
